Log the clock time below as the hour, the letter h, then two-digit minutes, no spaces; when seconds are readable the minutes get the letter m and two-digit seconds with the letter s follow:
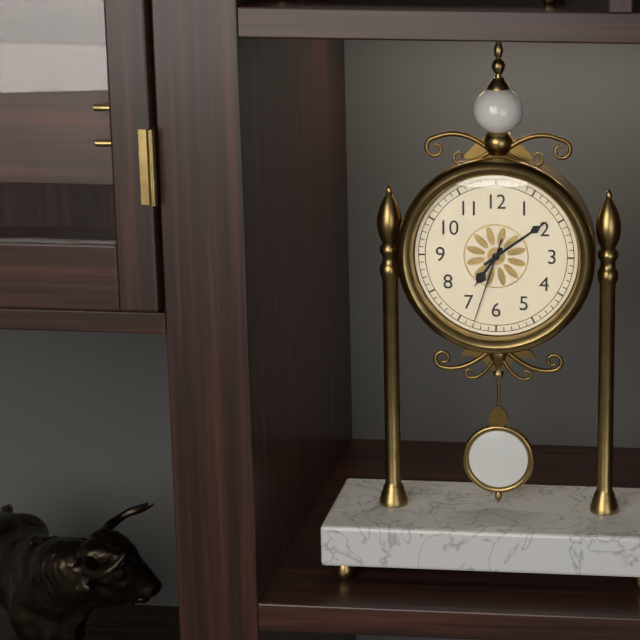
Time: 7h09m33s
